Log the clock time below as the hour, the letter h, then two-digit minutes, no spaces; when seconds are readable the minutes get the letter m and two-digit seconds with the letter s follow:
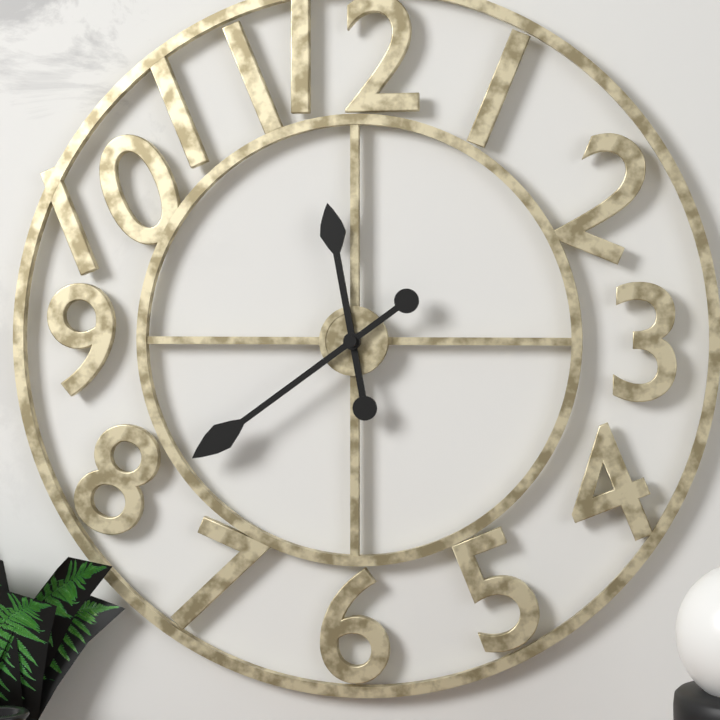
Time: 11h39
